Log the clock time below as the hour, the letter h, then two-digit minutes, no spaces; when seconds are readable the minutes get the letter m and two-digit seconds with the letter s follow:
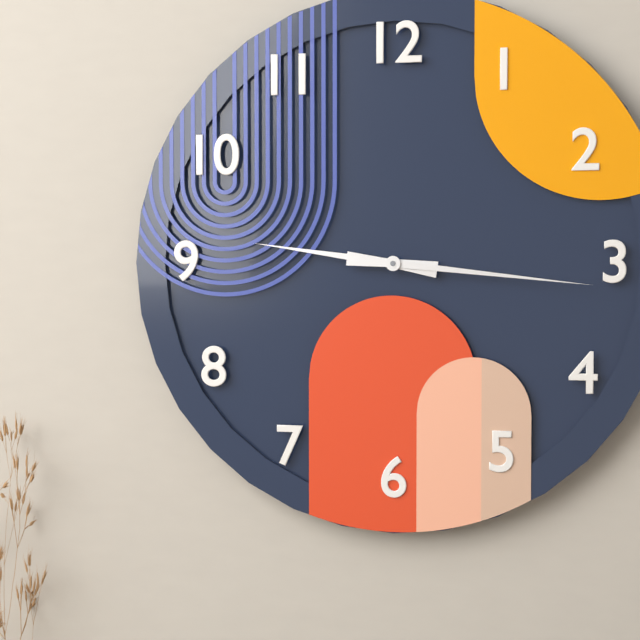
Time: 9h16
